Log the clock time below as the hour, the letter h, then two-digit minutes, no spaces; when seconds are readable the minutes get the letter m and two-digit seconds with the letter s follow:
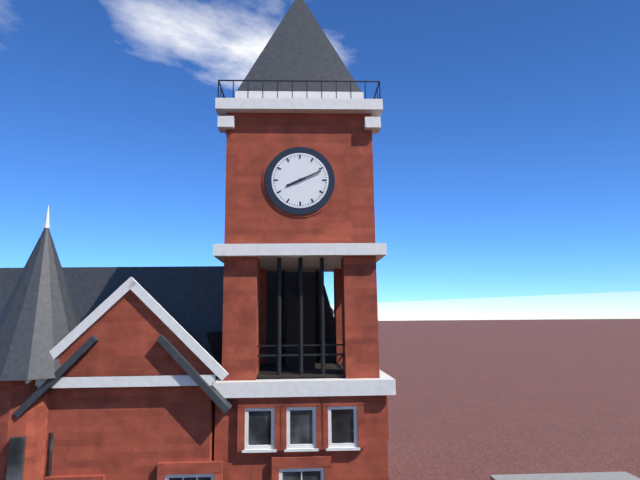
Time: 8h11
